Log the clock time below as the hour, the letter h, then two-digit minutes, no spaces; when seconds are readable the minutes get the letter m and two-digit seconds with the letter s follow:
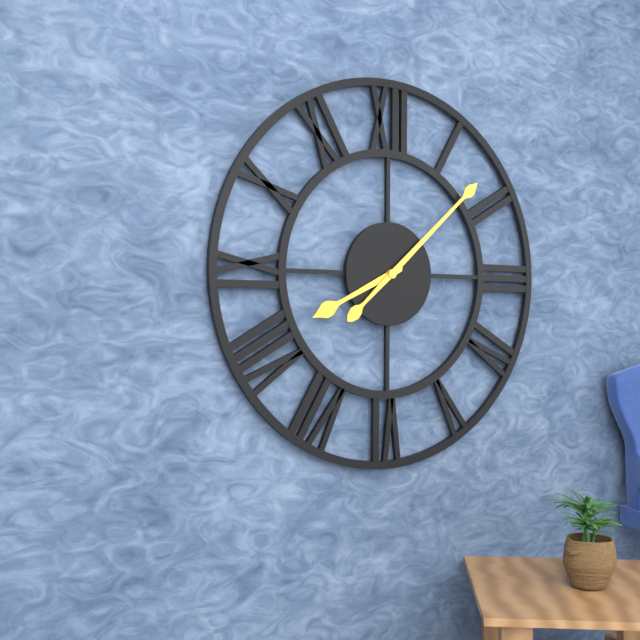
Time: 8h08
